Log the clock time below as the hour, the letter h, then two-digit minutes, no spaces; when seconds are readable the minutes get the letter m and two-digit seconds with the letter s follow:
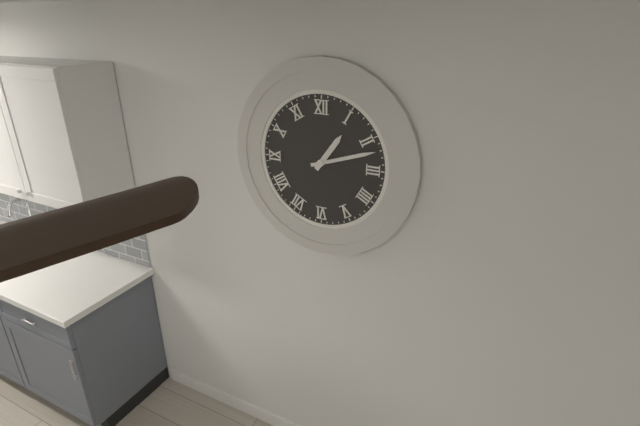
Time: 1h12
